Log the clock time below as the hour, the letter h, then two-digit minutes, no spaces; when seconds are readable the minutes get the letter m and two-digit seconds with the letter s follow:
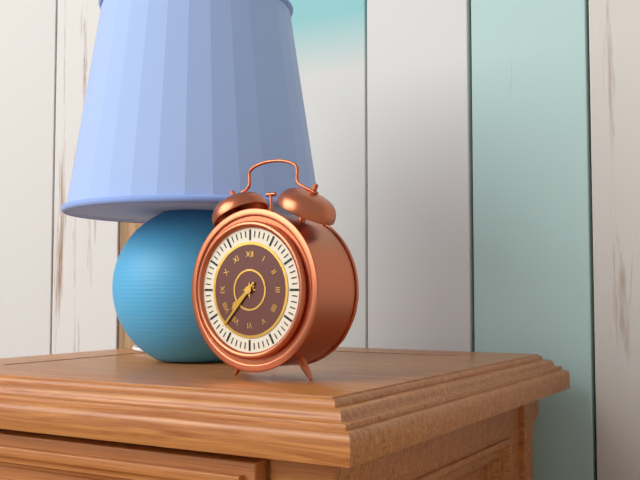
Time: 7h37
